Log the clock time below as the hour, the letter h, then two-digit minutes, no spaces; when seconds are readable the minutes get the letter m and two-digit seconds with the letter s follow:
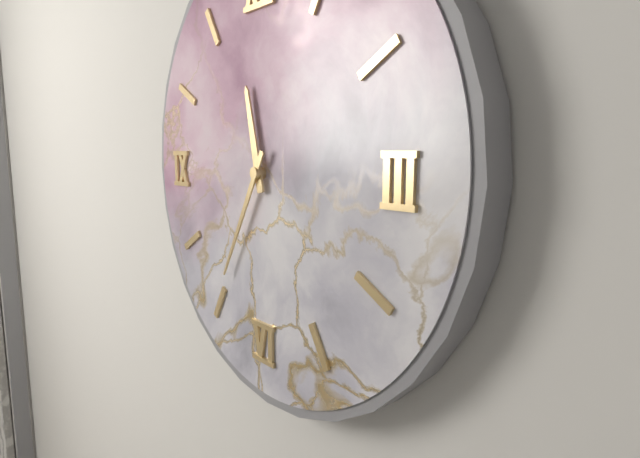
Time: 11h35
